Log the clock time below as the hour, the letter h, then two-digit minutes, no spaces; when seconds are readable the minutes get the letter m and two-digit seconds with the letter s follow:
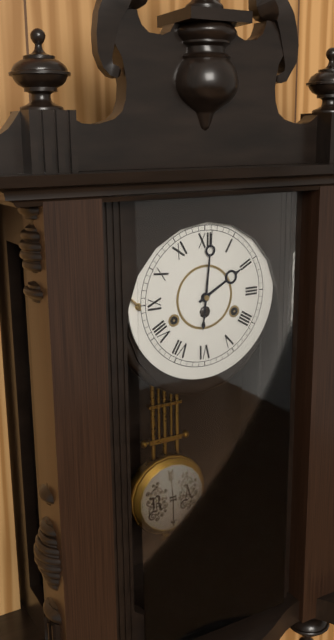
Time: 2h01
